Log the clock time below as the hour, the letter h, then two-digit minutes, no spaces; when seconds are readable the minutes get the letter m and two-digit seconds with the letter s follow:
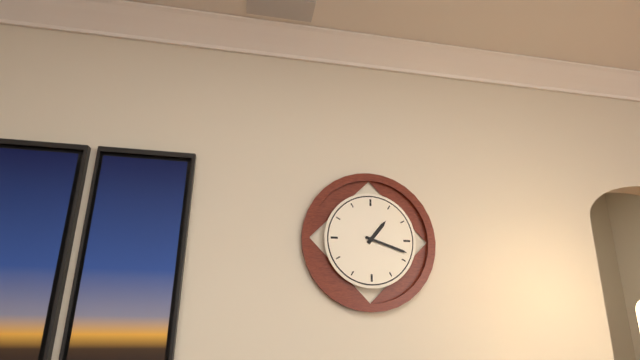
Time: 1h18
